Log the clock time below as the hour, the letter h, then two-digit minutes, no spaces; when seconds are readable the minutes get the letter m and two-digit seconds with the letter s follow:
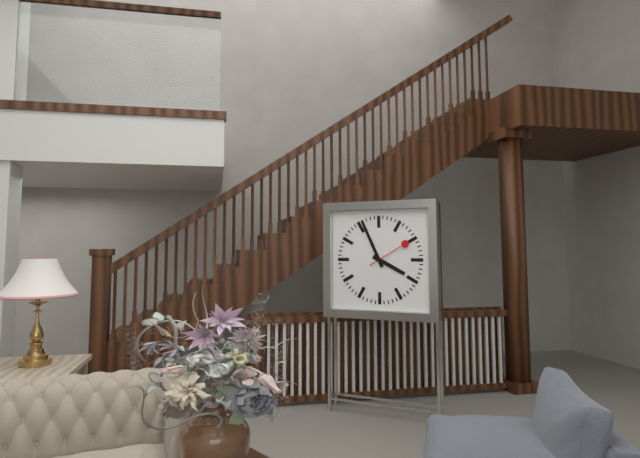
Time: 3h56
